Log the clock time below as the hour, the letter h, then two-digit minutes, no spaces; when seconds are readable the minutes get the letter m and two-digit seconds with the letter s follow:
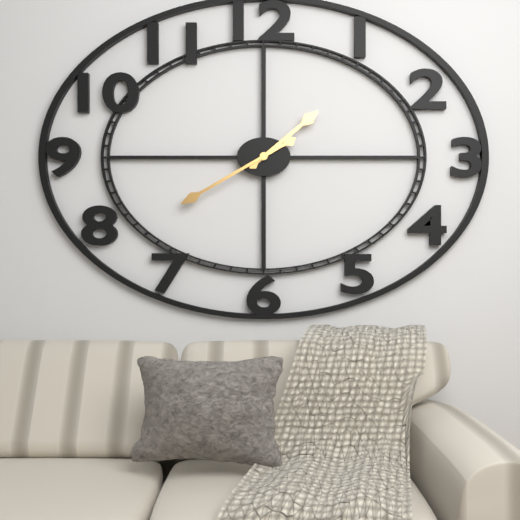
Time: 1h40
